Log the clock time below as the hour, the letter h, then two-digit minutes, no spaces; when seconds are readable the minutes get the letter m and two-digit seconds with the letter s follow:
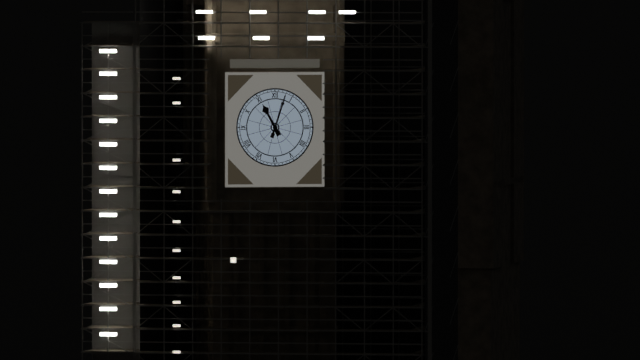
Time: 11h03
